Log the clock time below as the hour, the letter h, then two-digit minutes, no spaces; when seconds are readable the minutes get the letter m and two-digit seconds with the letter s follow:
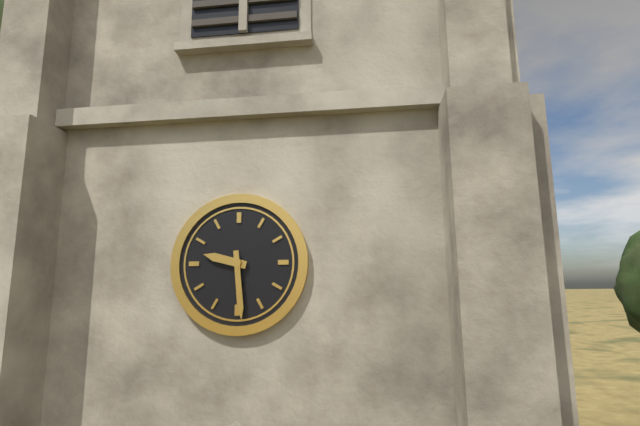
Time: 9h29
